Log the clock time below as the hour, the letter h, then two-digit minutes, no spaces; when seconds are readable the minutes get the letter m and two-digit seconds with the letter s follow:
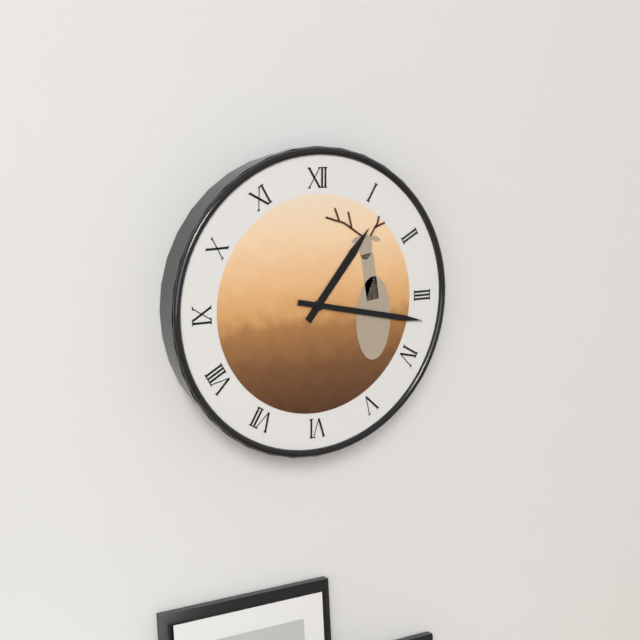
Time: 1h17
